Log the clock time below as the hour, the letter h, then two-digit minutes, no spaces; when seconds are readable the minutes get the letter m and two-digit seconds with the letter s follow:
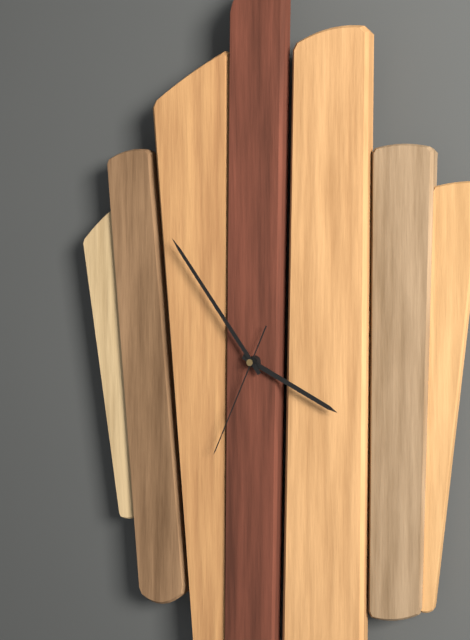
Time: 3h54m34s
